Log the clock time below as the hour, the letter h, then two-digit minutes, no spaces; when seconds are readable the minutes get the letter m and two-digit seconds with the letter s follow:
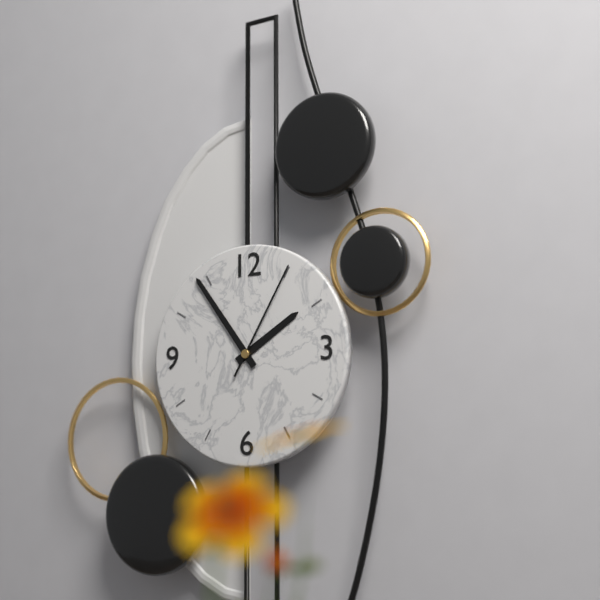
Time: 1h54m05s
